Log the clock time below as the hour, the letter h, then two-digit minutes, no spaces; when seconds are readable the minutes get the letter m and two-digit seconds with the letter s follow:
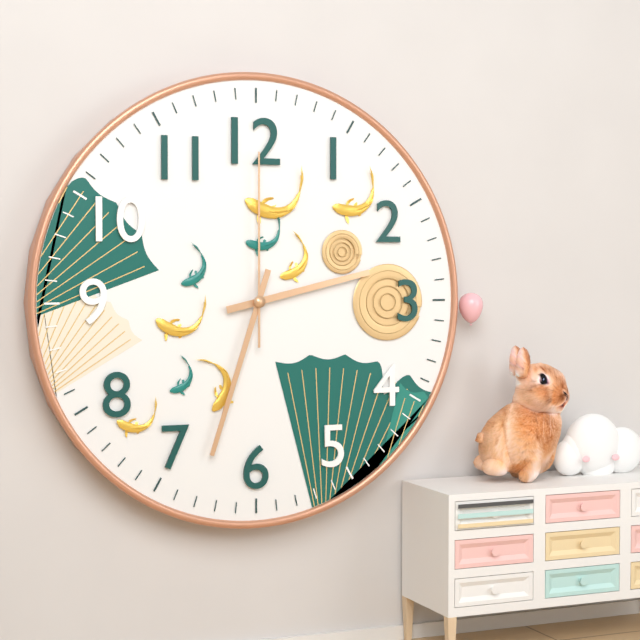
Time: 2h33m00s
